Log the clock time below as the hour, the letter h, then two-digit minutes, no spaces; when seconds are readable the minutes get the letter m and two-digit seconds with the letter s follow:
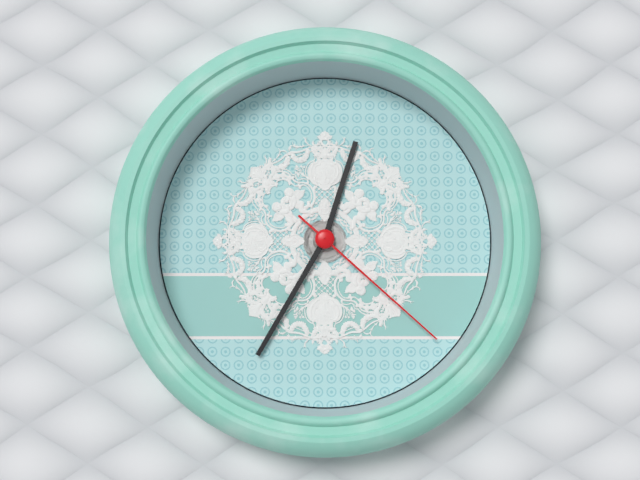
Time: 12h35m22s
